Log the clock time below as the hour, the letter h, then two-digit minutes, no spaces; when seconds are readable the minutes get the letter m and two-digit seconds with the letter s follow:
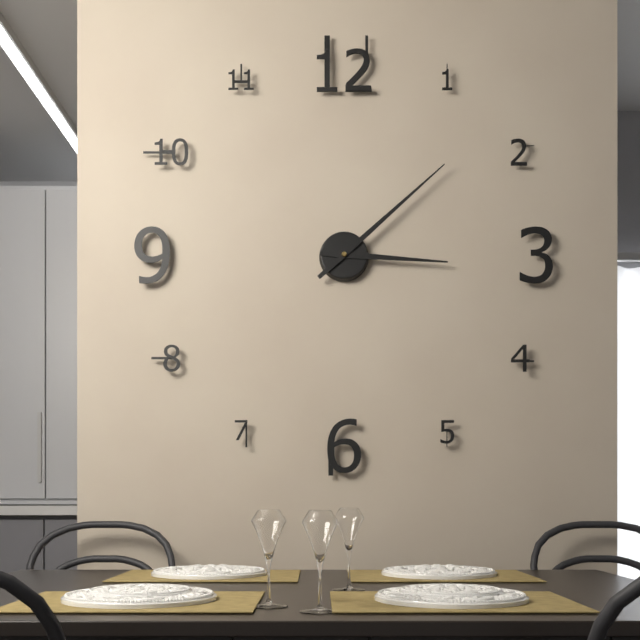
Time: 3h08
